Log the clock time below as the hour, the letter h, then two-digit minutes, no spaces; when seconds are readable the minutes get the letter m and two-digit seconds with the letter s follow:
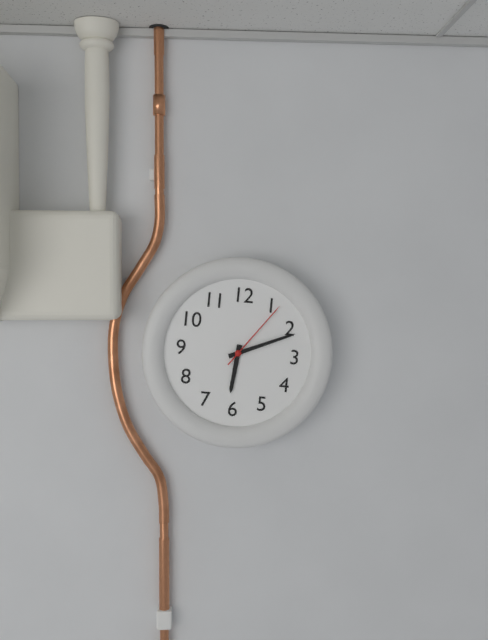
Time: 6h11m06s
